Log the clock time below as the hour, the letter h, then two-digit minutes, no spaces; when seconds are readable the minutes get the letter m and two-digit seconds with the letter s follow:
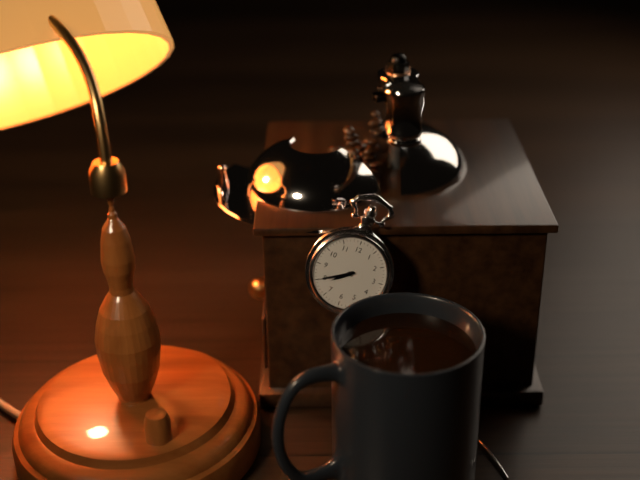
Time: 7h40
